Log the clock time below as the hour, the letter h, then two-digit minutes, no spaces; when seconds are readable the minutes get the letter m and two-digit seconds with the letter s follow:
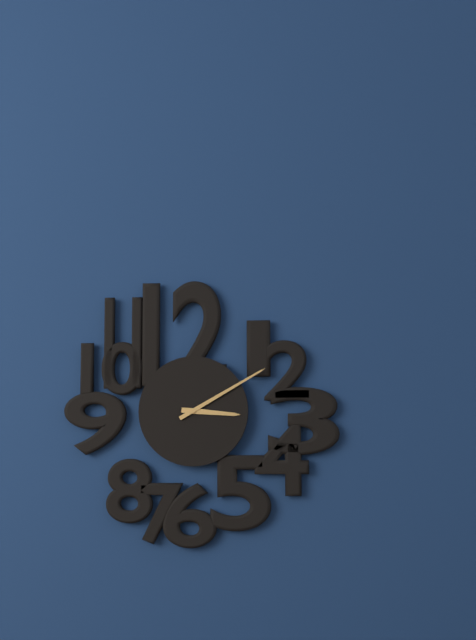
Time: 3h10
